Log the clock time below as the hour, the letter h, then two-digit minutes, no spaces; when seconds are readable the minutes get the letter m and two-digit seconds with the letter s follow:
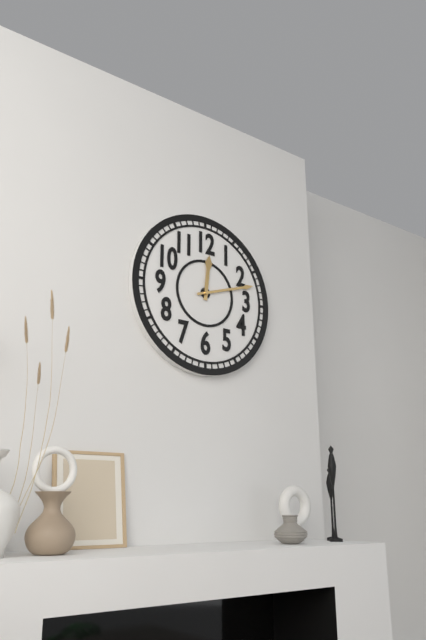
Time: 12h12
